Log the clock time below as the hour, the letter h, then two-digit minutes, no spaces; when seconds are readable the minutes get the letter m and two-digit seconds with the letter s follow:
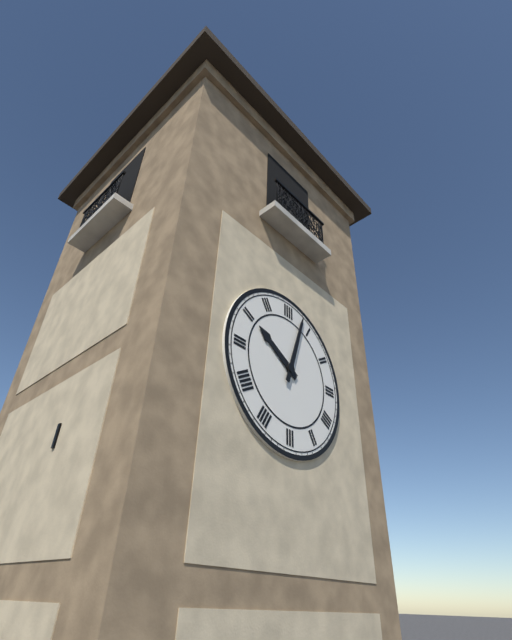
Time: 10h03
